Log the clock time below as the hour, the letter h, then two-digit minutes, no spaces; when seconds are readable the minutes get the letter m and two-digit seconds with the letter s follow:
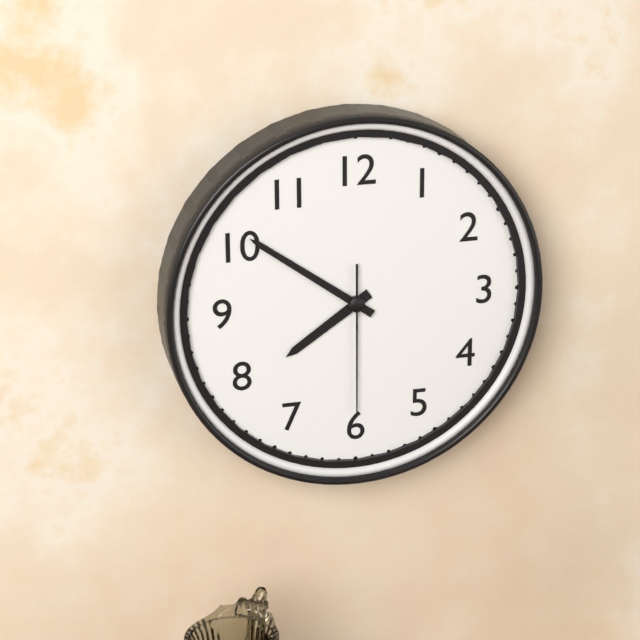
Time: 7h51m30s
